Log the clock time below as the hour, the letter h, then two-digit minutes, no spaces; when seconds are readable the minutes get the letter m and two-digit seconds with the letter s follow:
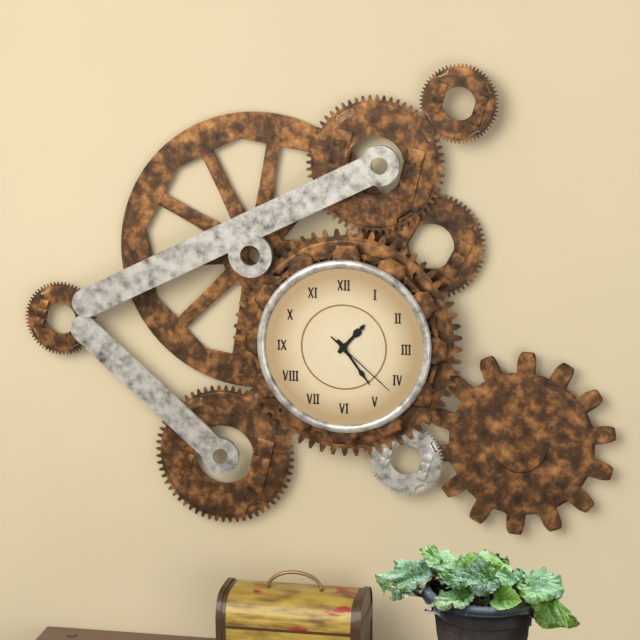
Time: 1h24m22s
